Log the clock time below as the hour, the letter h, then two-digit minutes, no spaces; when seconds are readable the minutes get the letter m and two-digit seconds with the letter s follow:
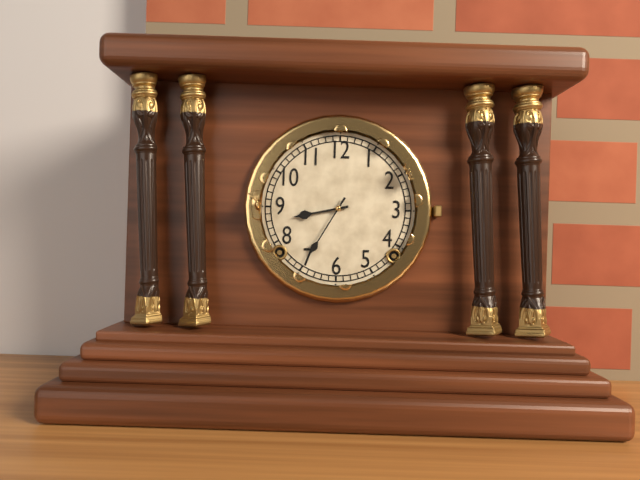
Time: 8h35
